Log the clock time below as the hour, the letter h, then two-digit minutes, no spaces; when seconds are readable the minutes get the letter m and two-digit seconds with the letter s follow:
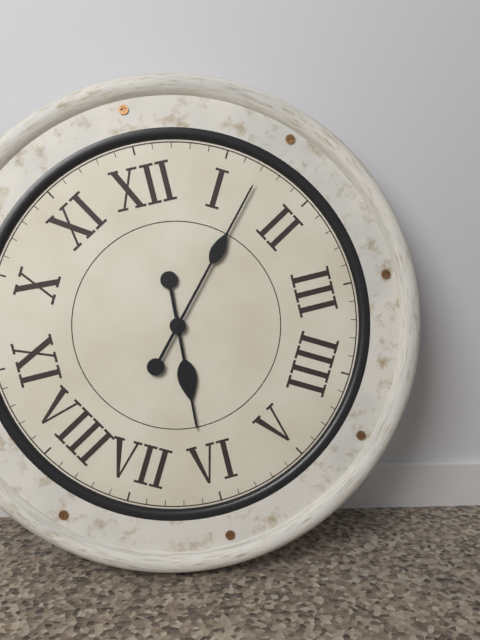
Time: 6h07
